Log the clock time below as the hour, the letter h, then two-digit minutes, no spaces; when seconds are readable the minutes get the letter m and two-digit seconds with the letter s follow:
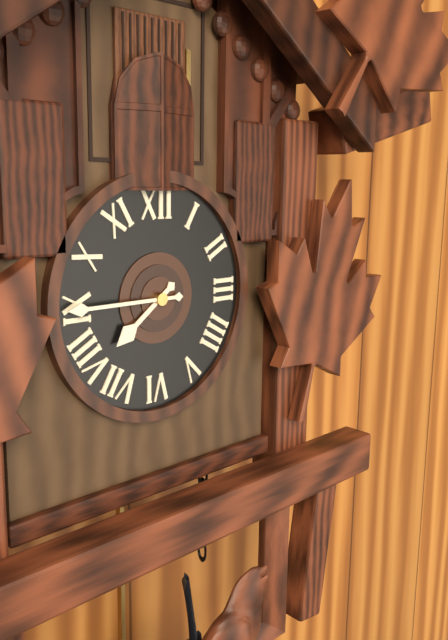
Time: 7h45
